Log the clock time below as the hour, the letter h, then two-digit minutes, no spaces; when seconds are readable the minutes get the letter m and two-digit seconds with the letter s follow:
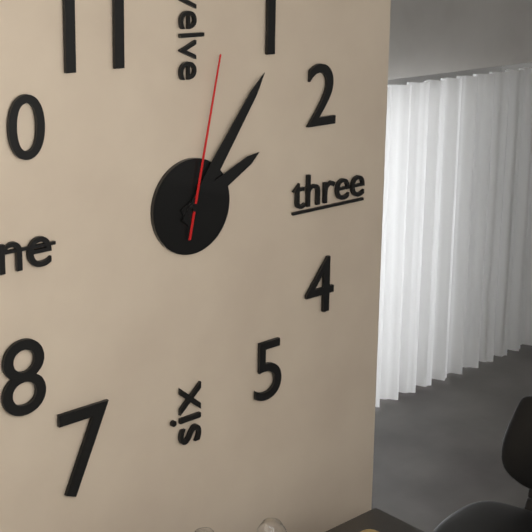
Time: 2h06m02s
